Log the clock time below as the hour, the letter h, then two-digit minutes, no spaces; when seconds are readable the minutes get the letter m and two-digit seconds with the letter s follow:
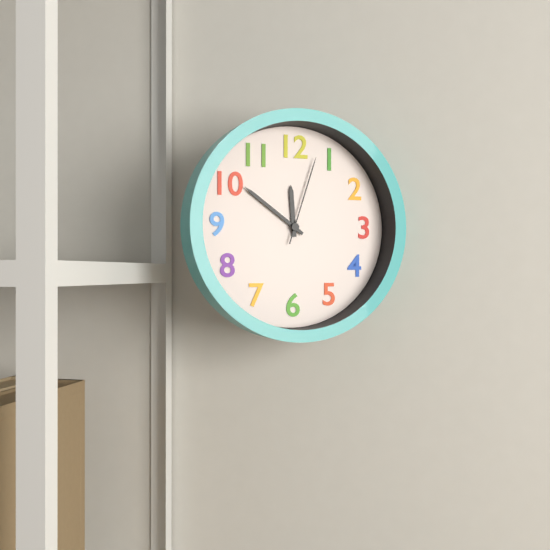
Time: 11h51m03s
